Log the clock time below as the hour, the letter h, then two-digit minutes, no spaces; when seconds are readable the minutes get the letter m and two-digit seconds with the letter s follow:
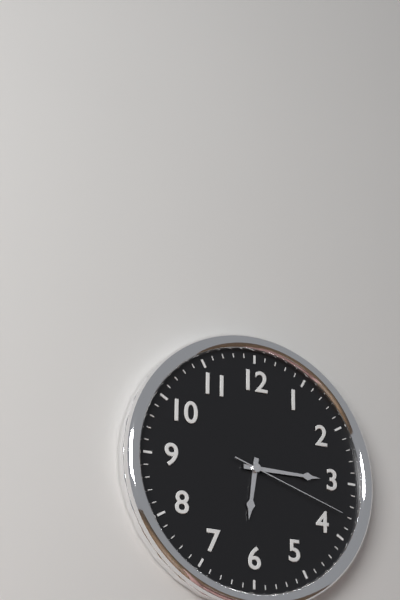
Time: 6h15m18s
